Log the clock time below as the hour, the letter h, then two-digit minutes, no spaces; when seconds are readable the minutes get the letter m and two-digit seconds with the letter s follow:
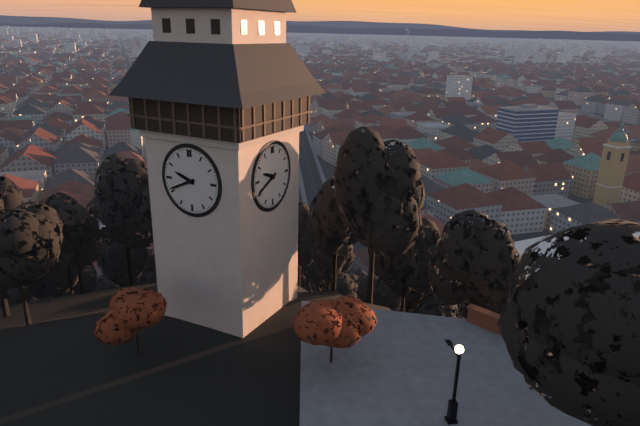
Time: 9h41
